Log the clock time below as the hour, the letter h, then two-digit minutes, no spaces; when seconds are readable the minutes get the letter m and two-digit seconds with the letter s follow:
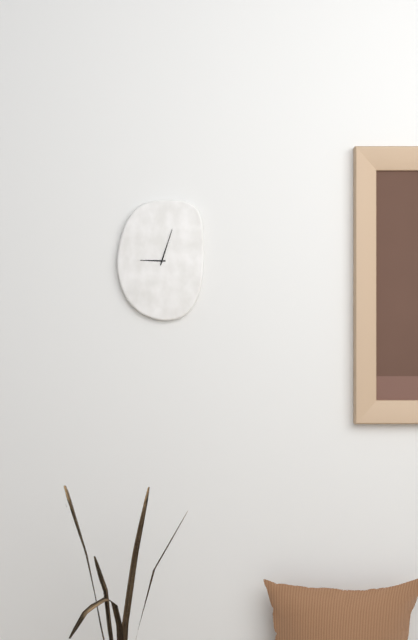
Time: 9h03
